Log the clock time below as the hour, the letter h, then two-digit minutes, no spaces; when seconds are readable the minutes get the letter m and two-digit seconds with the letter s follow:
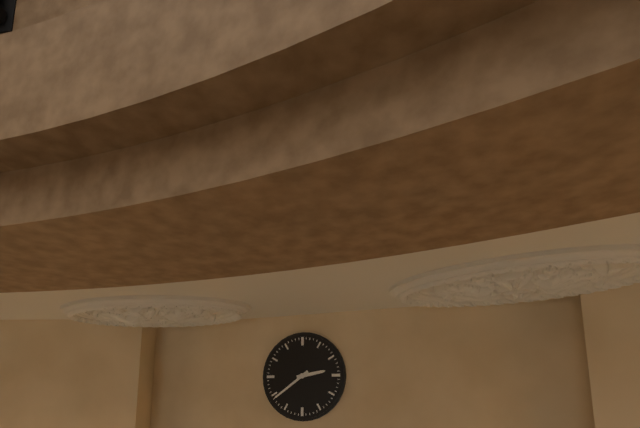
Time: 2h39
